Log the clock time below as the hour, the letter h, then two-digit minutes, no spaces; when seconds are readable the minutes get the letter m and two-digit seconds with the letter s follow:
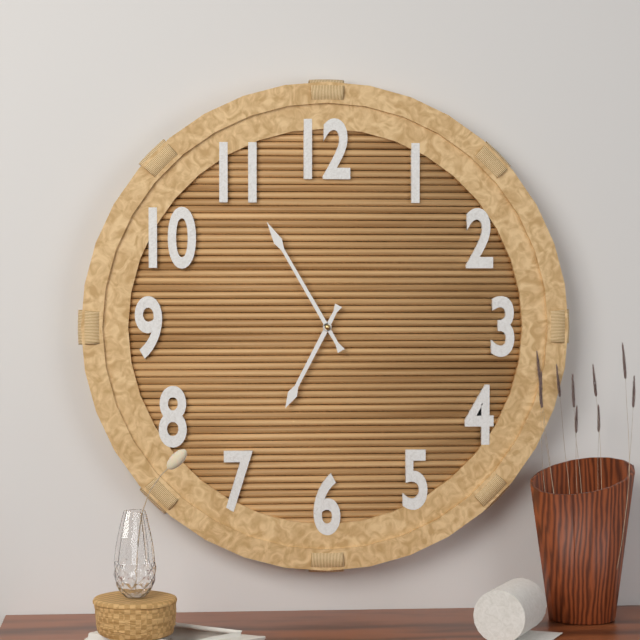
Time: 6h55
